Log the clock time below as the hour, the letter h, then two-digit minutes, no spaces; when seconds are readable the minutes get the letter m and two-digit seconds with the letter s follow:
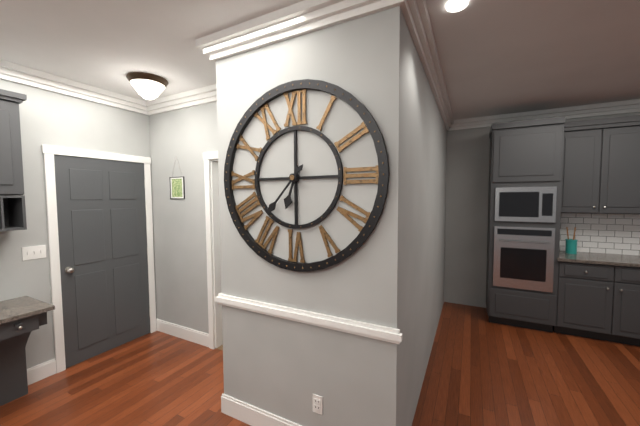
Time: 6h37
